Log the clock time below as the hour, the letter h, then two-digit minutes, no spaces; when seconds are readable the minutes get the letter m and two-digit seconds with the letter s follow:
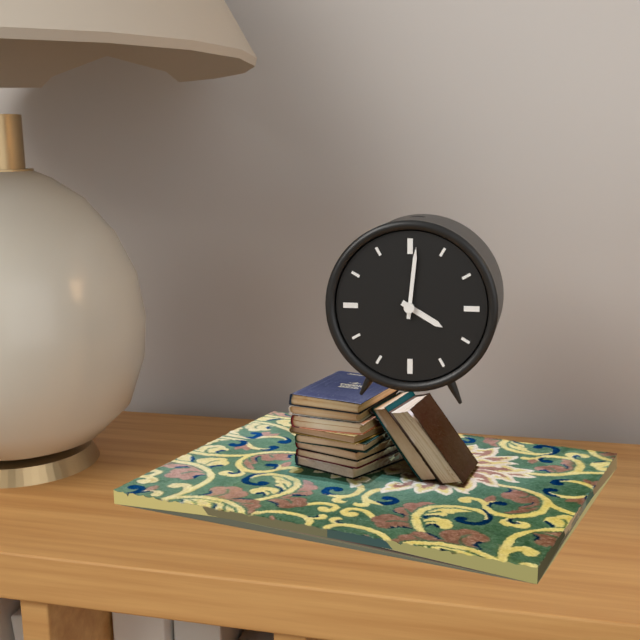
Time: 4h01
